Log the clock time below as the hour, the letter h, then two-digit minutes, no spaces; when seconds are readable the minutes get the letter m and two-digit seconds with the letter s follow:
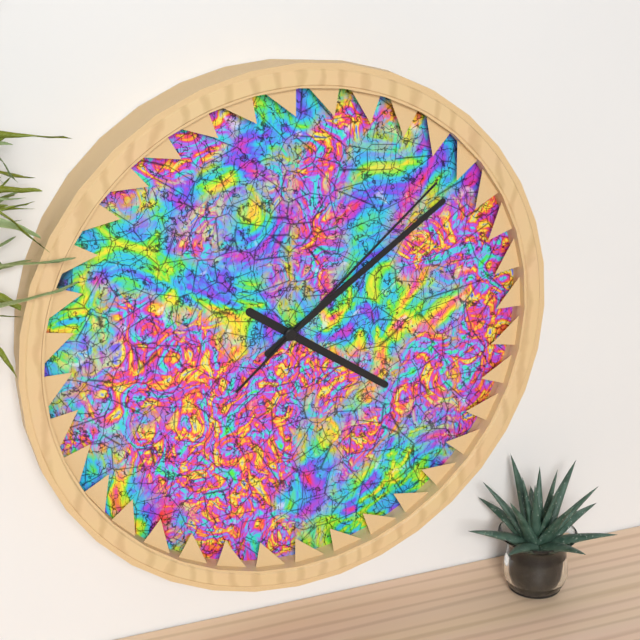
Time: 4h09m08s
